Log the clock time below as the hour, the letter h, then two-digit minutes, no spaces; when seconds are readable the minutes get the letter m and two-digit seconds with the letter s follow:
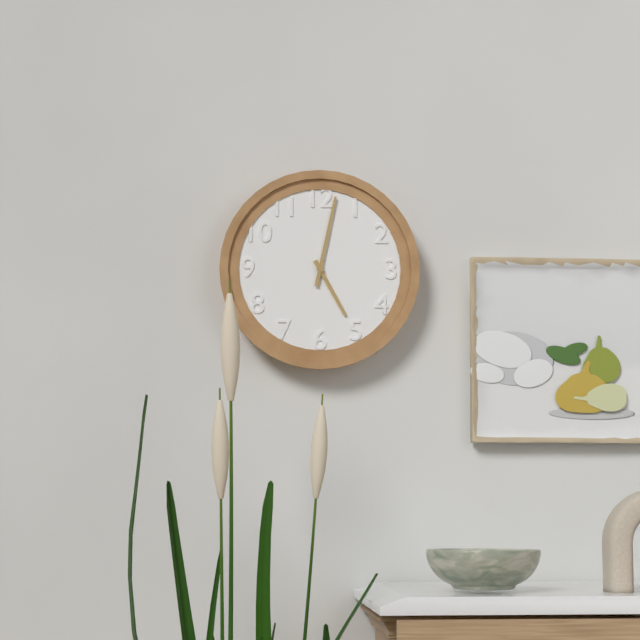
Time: 5h02
